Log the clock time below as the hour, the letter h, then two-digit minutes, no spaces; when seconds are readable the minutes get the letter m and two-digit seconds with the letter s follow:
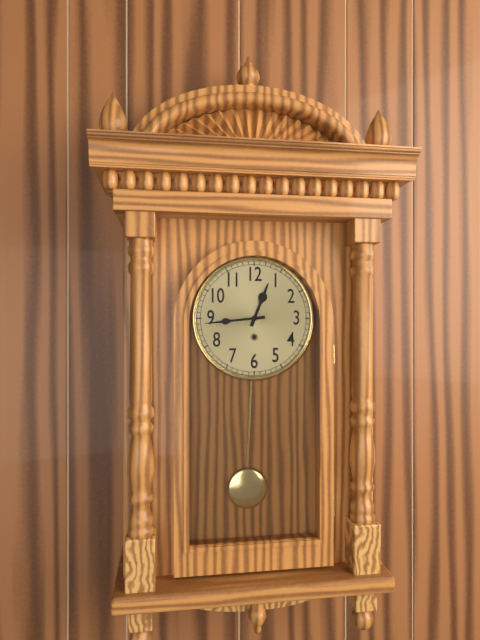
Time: 12h44
